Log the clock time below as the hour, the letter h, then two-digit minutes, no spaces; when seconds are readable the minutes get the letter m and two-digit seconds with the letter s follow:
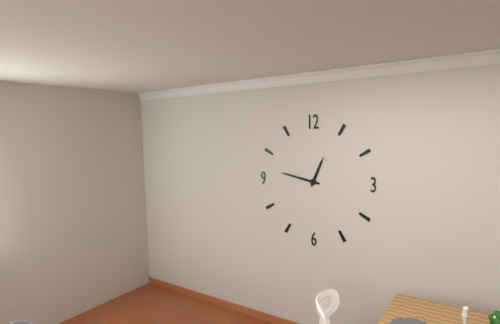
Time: 12h47
